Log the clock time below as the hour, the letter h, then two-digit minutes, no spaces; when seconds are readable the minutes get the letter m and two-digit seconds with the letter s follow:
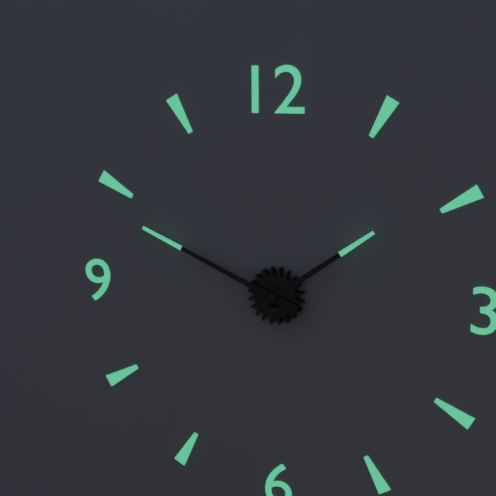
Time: 1h49
